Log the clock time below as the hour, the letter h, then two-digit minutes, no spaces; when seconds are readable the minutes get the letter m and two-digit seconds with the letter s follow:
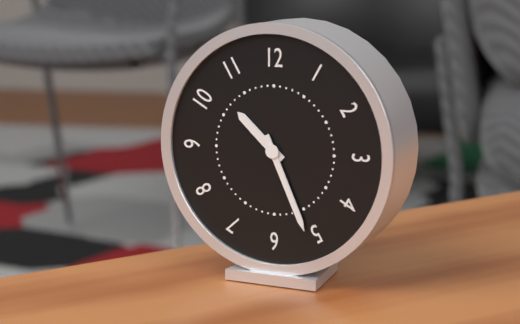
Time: 10h26
